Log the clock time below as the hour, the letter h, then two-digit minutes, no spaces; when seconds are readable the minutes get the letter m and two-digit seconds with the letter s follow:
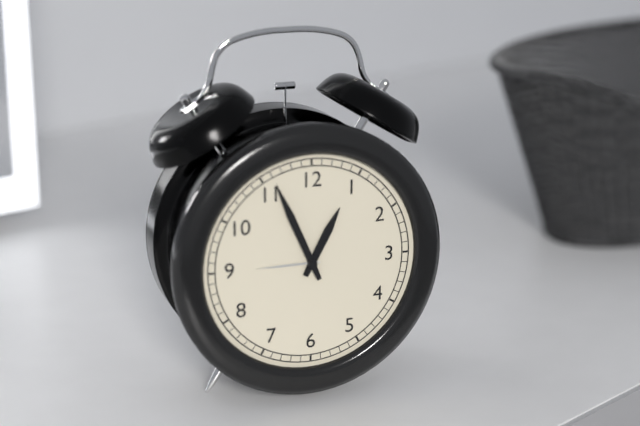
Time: 12h56
